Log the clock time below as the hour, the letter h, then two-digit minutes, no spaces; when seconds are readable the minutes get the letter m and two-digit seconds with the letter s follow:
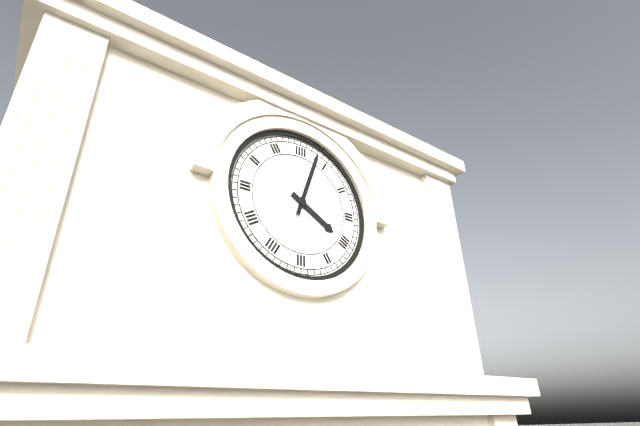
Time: 4h03
